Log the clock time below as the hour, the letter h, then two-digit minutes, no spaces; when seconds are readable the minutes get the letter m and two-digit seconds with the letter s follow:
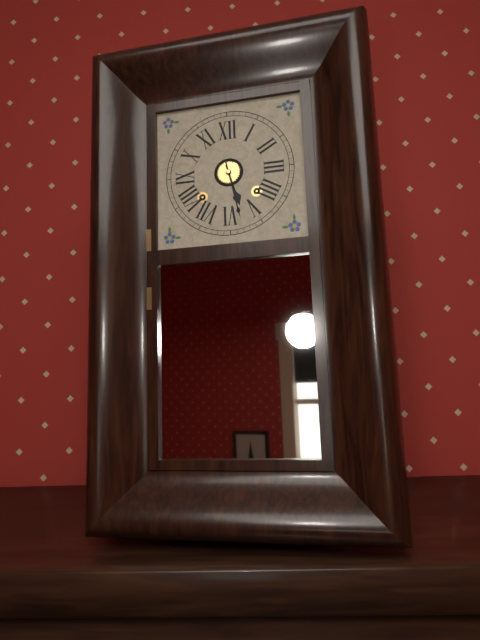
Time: 5h28
